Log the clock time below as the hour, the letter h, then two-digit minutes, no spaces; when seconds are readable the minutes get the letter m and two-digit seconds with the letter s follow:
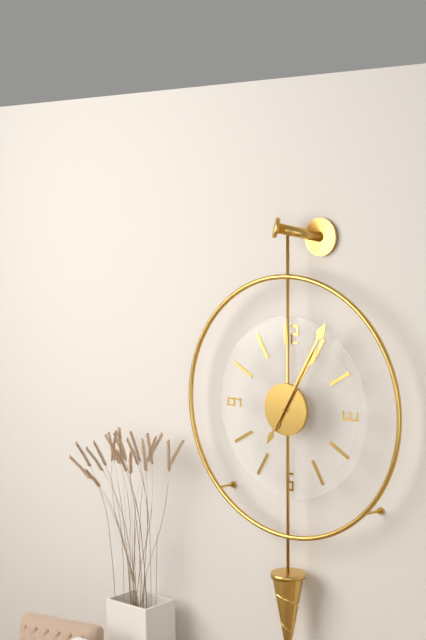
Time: 1h05
